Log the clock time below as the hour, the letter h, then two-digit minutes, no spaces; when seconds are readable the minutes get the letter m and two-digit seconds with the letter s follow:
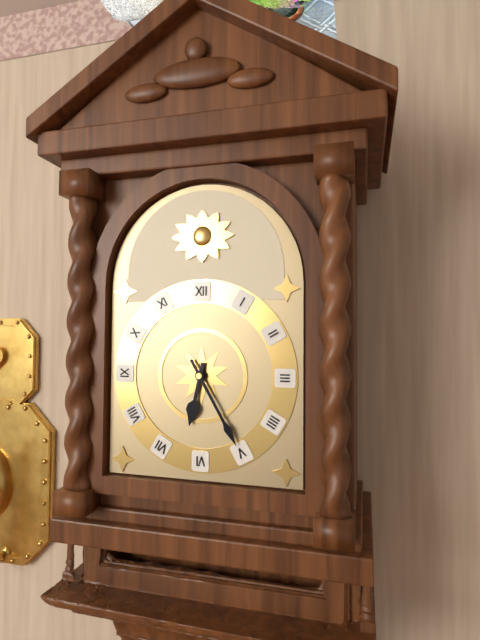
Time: 6h25
